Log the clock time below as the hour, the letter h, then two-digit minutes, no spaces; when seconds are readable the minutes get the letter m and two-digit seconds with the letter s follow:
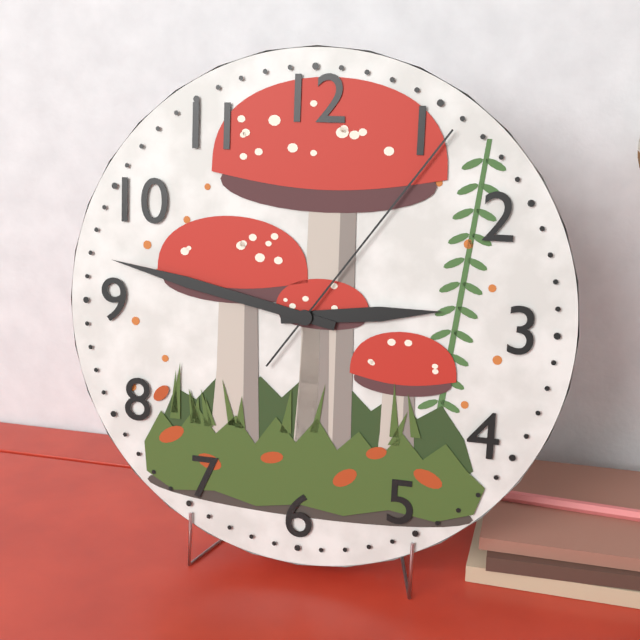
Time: 2h47m06s
